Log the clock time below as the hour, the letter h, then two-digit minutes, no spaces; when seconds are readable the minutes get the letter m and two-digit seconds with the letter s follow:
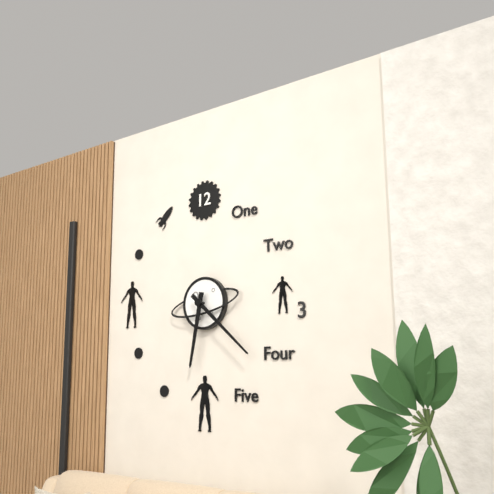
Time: 6h22
